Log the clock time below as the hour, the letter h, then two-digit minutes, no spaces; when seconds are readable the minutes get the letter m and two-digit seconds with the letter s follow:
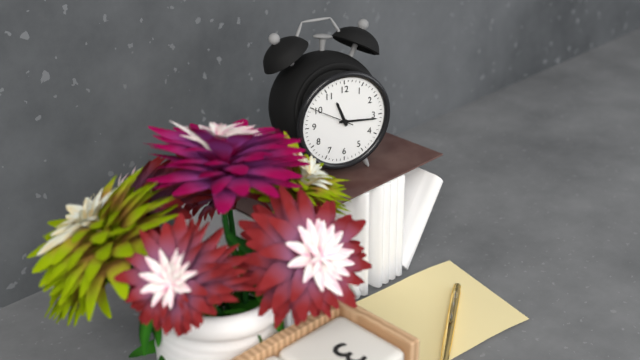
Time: 11h16
